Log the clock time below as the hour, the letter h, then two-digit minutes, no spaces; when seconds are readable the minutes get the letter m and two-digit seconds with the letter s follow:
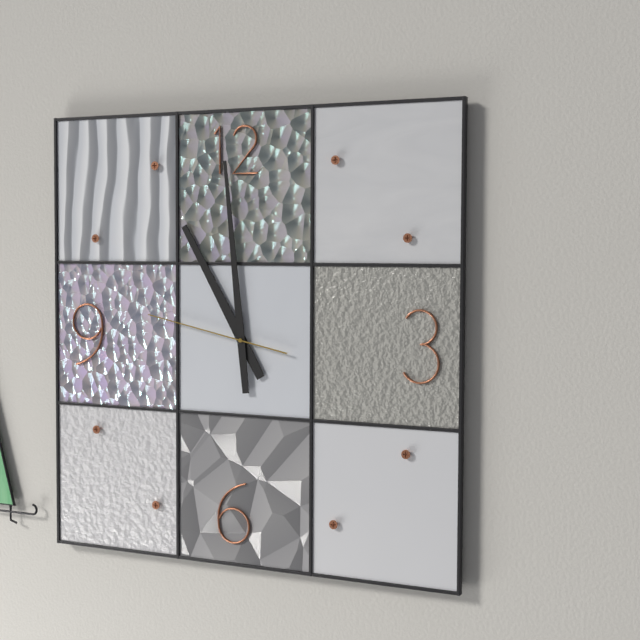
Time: 10h59m47s
